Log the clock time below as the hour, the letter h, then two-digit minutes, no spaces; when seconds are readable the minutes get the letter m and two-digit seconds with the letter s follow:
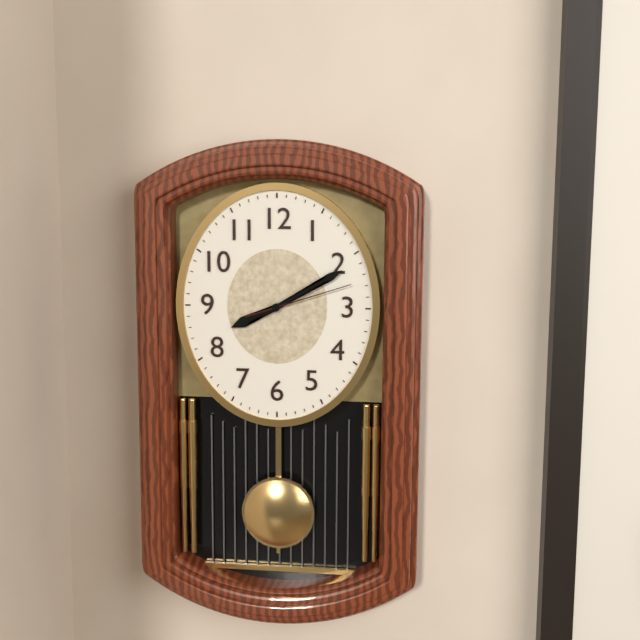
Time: 8h10m12s
